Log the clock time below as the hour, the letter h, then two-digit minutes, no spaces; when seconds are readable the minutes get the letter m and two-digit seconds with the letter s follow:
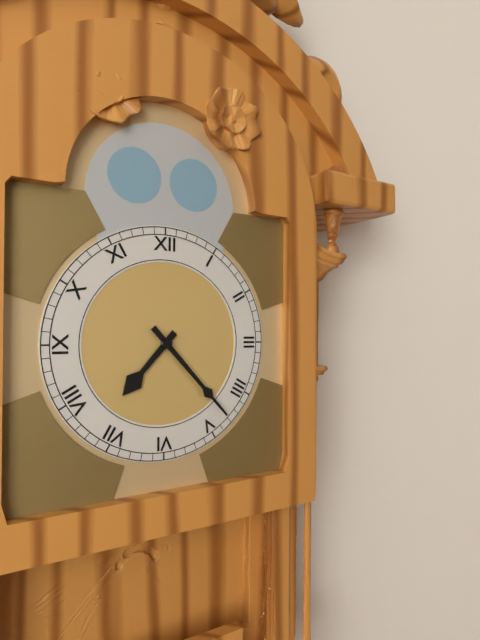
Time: 7h23
